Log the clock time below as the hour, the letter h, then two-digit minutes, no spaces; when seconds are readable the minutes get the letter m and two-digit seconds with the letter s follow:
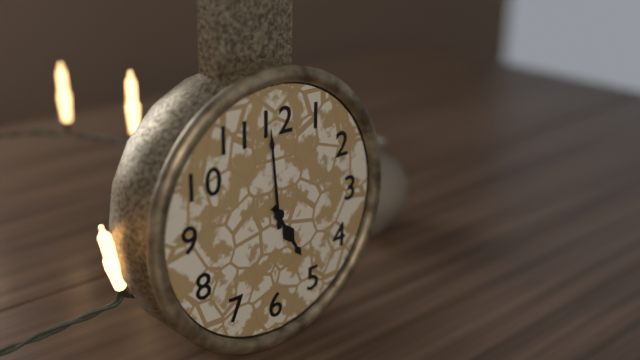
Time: 4h59
